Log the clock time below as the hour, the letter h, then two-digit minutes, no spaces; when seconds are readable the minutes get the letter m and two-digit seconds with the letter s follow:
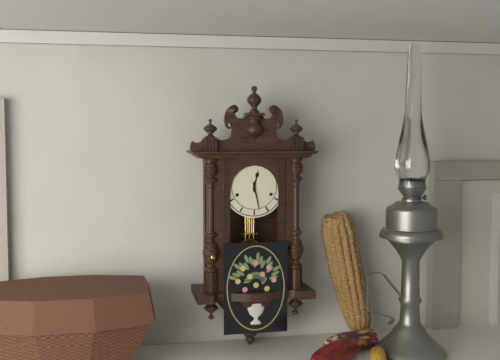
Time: 12h28
